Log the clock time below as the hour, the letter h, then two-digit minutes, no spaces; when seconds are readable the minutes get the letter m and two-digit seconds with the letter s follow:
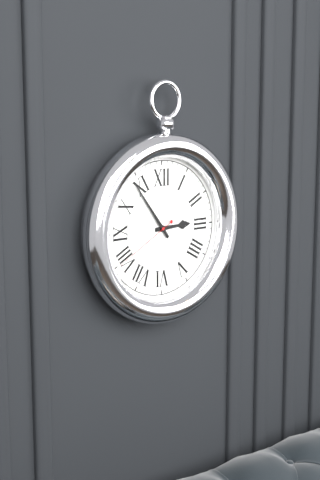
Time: 2h54m40s
